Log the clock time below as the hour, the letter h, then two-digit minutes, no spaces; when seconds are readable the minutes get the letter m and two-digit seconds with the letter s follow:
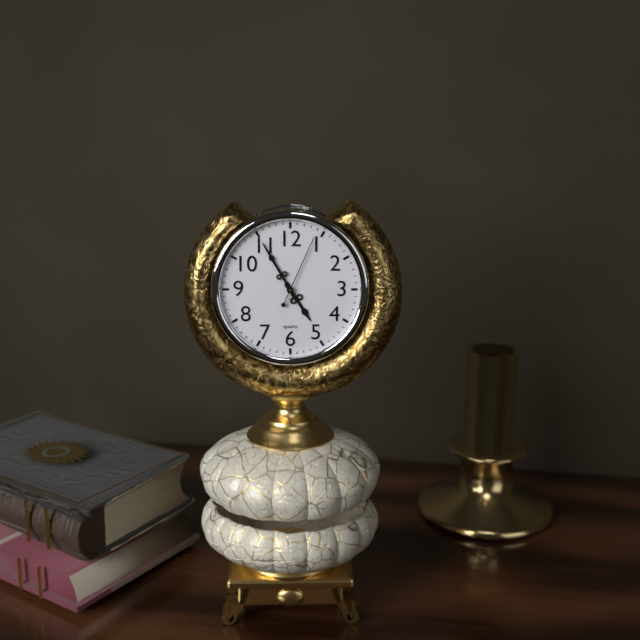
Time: 4h55m04s
